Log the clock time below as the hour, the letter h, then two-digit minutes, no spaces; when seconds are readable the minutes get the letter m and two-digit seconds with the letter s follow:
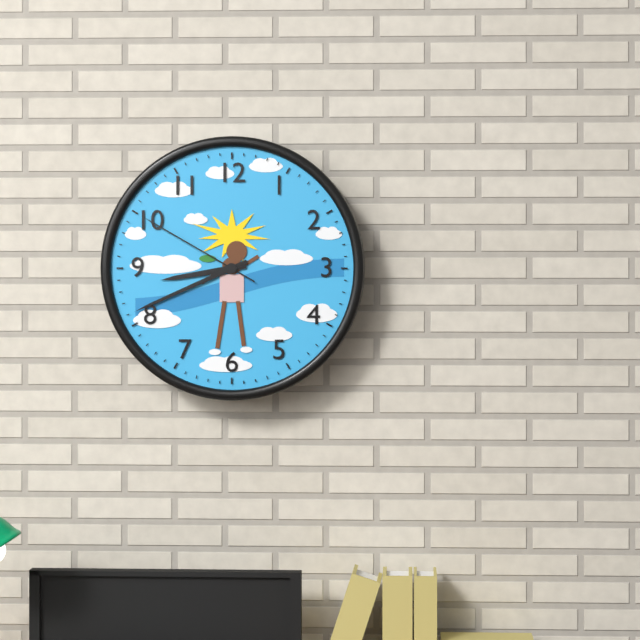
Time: 8h41m50s
